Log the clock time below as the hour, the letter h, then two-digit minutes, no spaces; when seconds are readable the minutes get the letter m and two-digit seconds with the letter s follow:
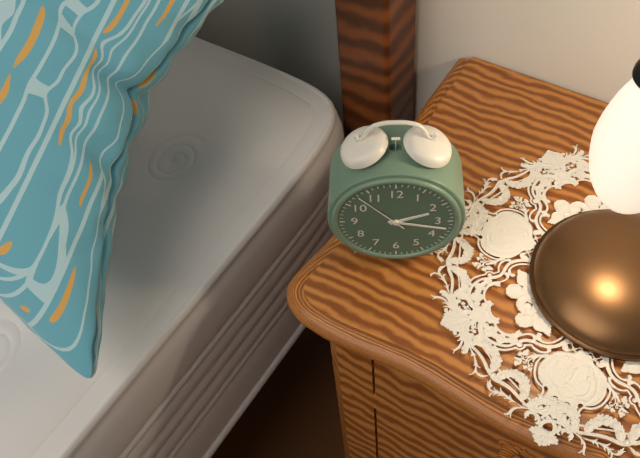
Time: 2h17m53s
